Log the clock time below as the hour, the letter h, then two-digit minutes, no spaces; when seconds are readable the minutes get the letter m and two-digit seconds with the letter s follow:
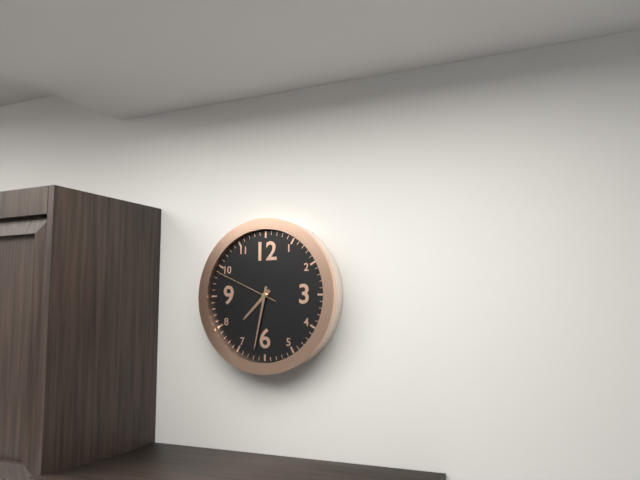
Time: 7h32m49s
